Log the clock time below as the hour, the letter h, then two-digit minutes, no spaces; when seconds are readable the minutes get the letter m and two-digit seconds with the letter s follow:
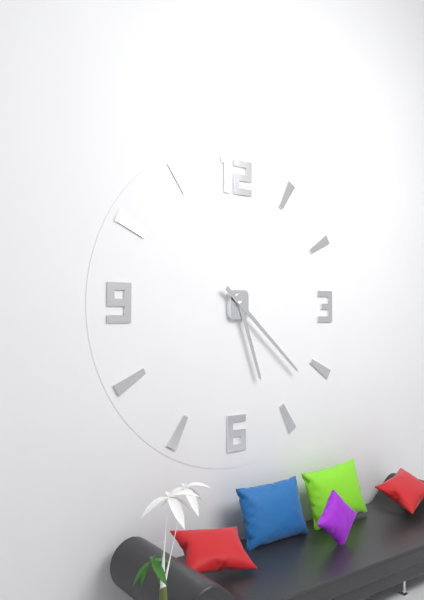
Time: 5h22
